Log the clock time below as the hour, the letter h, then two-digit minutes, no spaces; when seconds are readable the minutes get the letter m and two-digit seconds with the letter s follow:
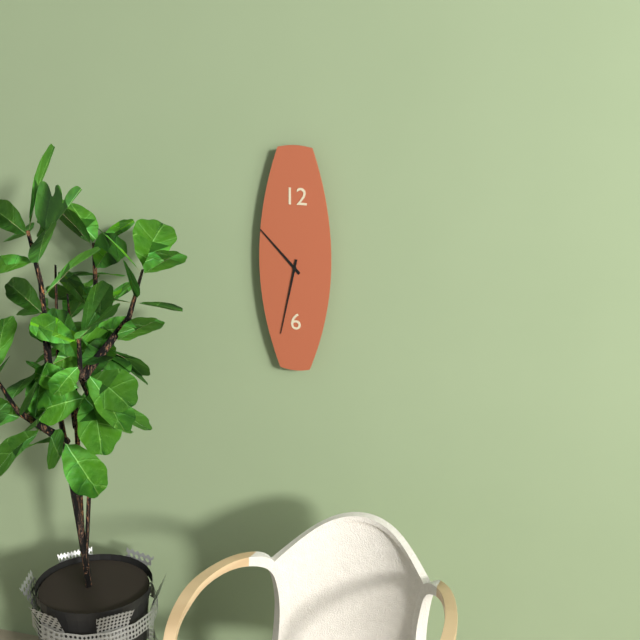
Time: 10h32
